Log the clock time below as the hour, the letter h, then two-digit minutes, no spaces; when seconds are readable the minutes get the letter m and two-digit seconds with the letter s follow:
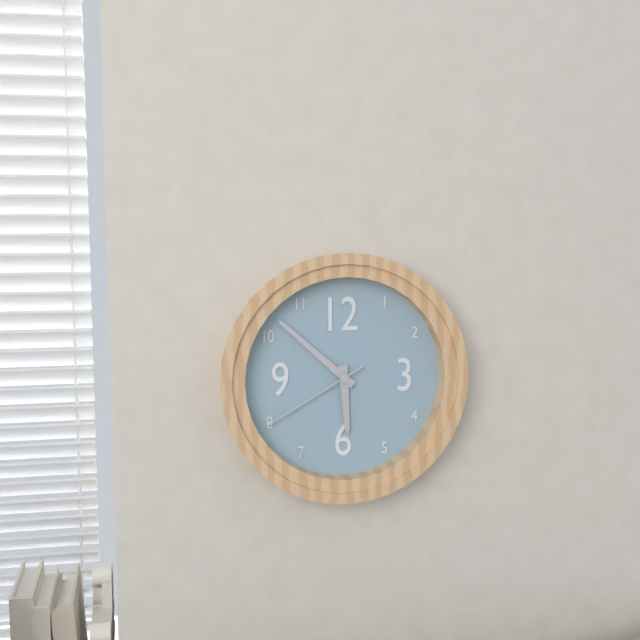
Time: 5h52m40s
